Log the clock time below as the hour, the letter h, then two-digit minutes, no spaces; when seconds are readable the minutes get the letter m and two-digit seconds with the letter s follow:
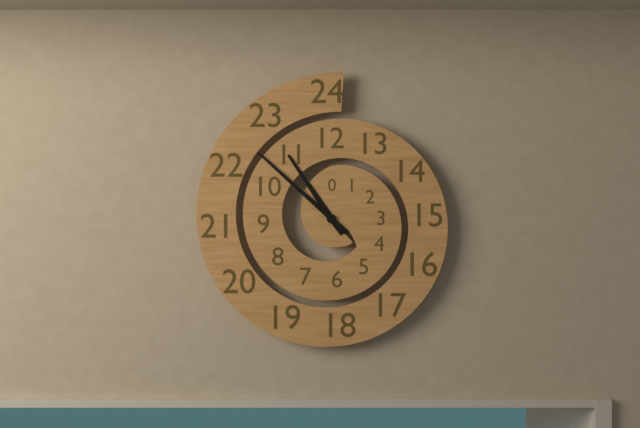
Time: 10h52
